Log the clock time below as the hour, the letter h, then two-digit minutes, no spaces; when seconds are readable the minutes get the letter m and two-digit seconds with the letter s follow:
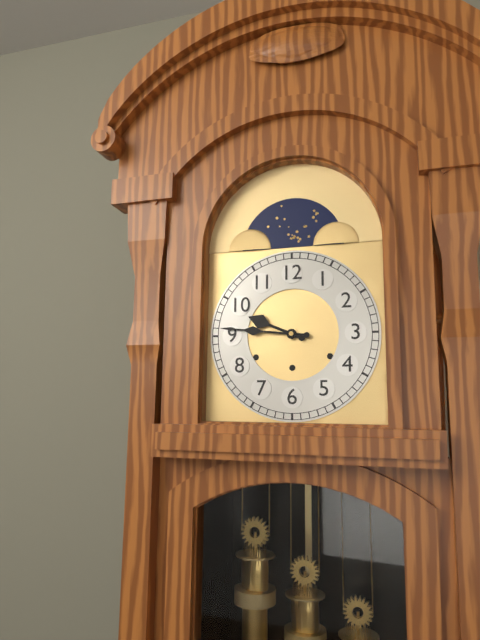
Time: 9h46
